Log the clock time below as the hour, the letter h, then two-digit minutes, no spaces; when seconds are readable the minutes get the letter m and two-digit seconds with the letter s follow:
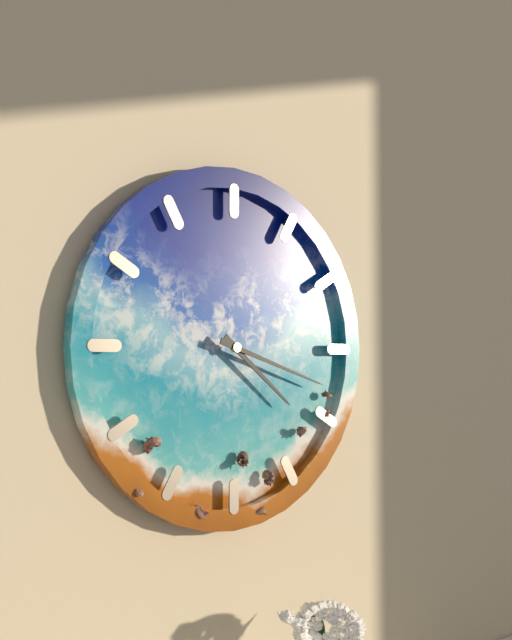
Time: 4h18
